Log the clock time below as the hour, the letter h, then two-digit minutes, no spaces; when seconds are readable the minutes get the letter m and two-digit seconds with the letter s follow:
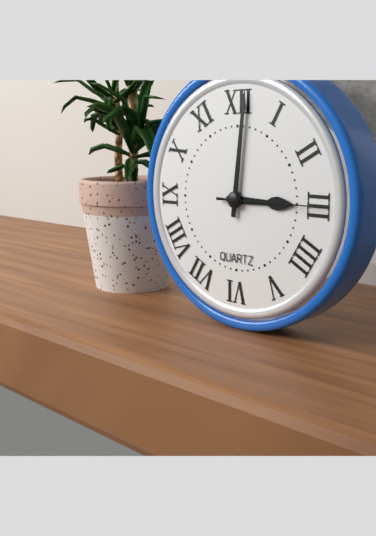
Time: 3h01m15s
